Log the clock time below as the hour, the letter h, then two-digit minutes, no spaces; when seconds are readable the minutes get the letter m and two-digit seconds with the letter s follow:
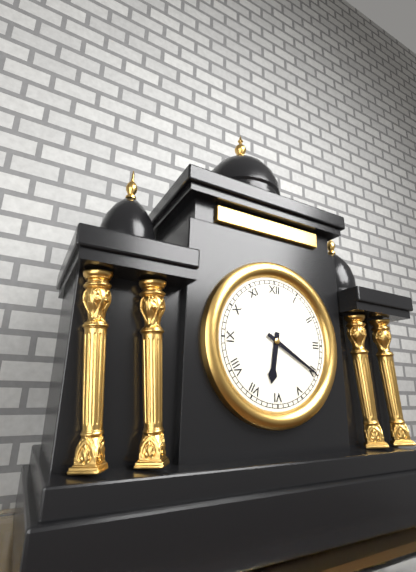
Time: 6h20
